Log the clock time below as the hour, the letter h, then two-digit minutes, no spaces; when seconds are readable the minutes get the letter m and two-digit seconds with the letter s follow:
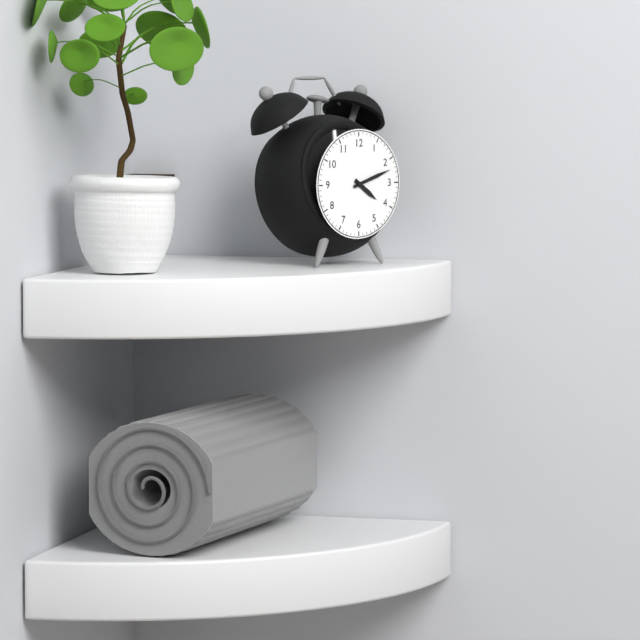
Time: 4h12
